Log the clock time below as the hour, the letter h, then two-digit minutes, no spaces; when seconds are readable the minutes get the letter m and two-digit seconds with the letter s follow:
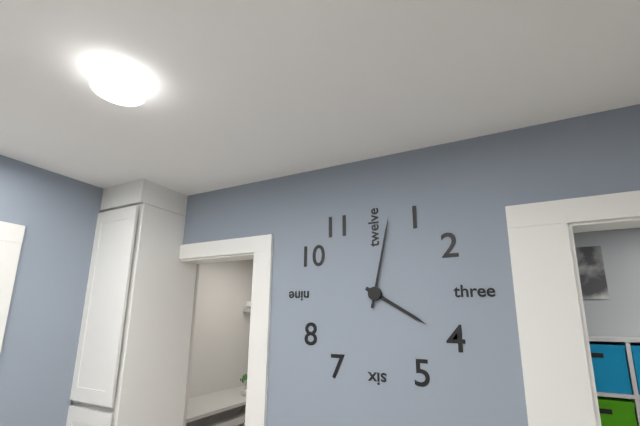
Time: 4h02
